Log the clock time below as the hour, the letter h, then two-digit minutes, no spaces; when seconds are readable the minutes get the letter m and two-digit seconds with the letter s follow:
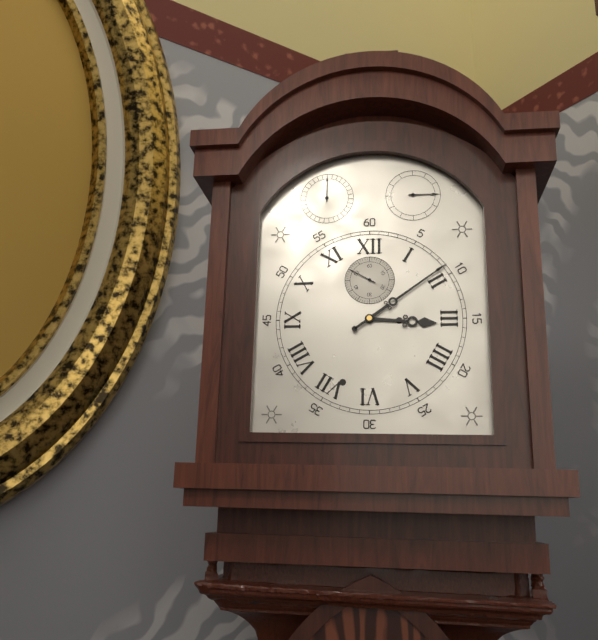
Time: 3h09
